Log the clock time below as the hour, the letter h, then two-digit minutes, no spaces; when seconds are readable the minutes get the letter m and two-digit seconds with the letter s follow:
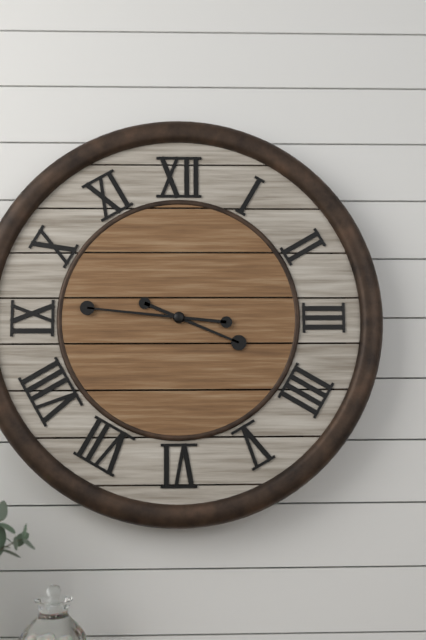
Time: 3h46
